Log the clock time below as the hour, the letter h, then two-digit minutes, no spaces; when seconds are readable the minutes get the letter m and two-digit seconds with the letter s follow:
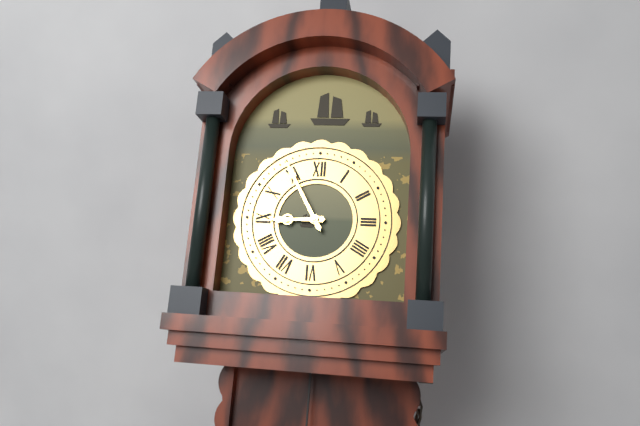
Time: 8h55
